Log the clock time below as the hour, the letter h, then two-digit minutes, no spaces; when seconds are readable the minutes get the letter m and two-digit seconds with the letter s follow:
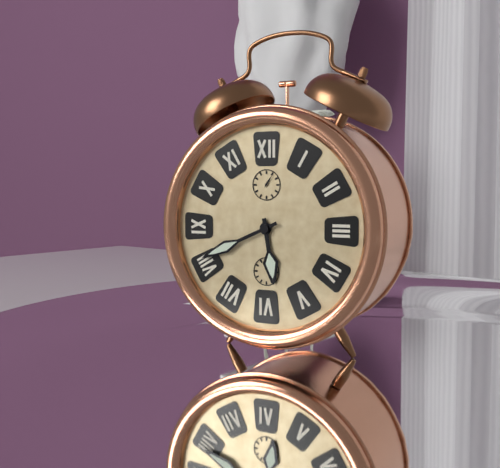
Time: 5h41
